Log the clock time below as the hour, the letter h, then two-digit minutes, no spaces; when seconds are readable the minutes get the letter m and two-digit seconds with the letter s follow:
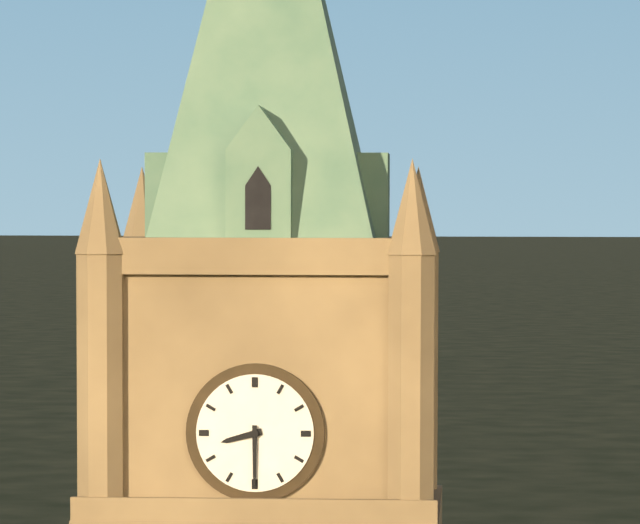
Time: 8h30
